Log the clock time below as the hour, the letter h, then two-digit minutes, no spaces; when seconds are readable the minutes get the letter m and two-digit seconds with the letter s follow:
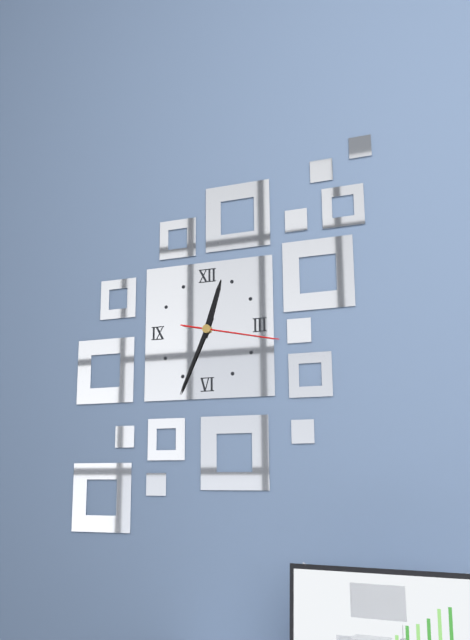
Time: 12h34m17s
